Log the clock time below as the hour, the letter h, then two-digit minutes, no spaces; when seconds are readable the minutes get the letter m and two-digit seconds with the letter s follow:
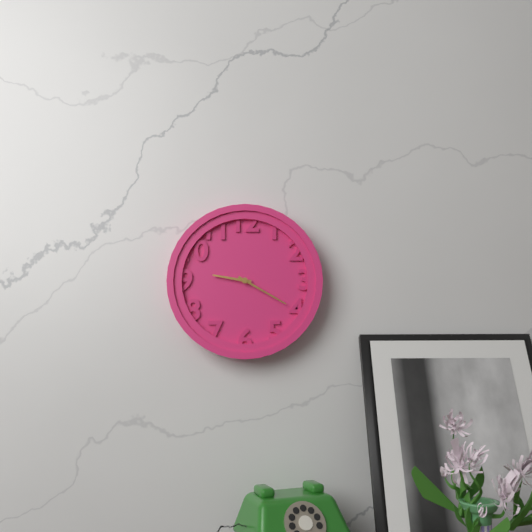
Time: 9h20
